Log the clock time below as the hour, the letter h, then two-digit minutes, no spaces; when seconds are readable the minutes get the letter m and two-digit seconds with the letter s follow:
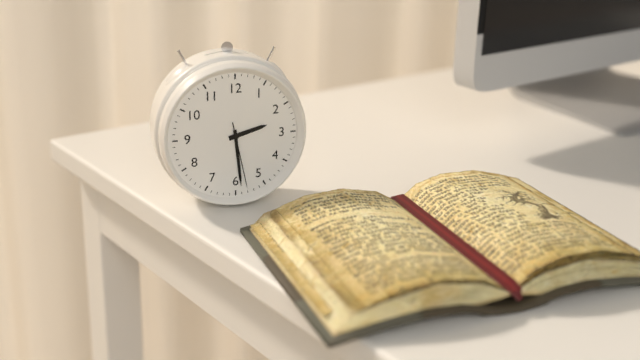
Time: 2h29m28s
